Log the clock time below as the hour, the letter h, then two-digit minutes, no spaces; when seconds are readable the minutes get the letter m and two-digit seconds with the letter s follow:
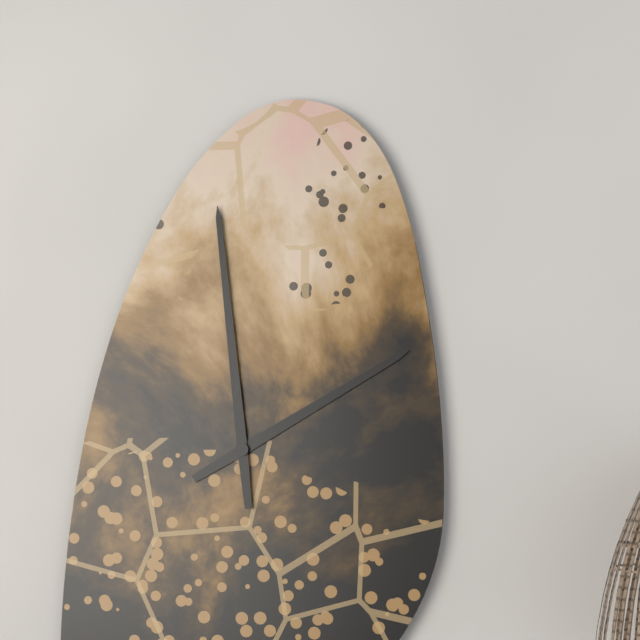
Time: 1h59
